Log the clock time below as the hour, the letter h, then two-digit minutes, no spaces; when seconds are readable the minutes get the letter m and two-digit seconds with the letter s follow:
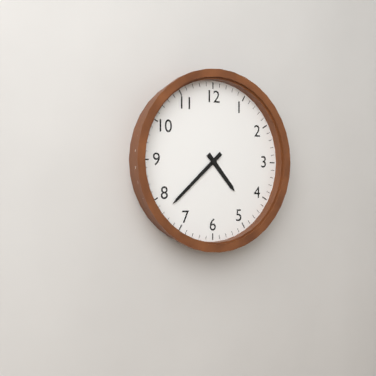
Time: 4h38
